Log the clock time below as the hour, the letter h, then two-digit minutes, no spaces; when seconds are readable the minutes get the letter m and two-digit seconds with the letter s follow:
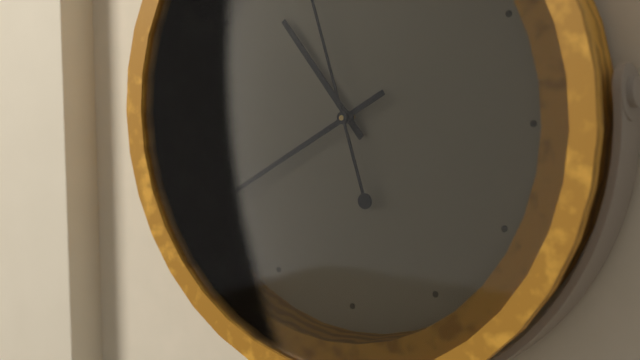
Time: 10h40
